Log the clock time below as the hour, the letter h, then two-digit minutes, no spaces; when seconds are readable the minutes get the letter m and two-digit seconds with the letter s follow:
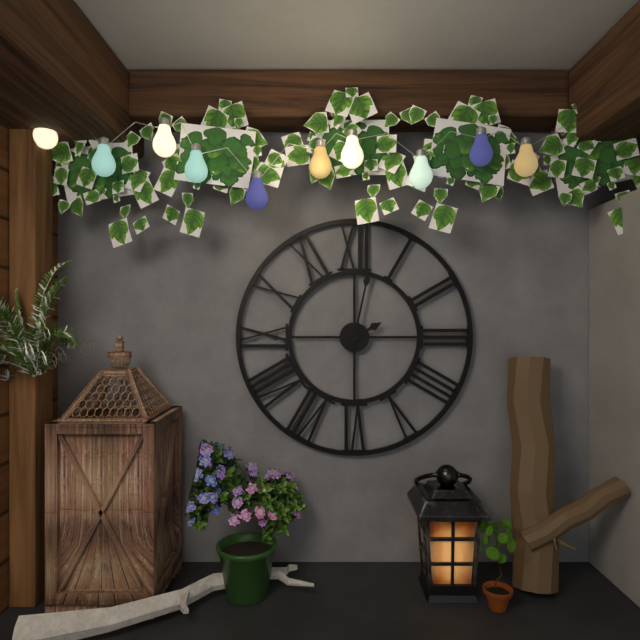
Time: 2h02
